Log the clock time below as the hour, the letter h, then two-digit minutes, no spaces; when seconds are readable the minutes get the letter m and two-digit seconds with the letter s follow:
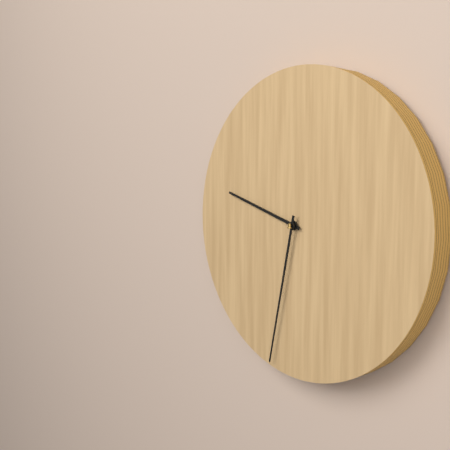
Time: 9h32
